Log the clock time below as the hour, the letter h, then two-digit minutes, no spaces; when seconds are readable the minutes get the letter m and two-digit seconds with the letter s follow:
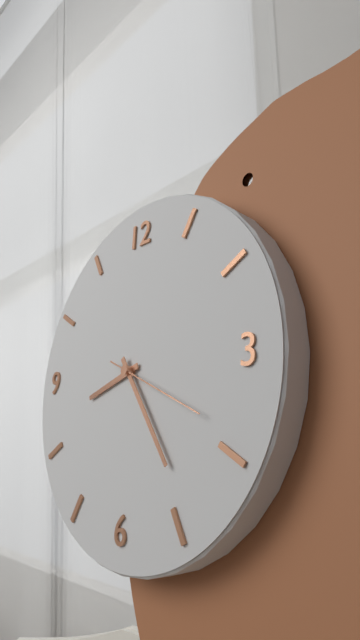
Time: 8h24m19s
